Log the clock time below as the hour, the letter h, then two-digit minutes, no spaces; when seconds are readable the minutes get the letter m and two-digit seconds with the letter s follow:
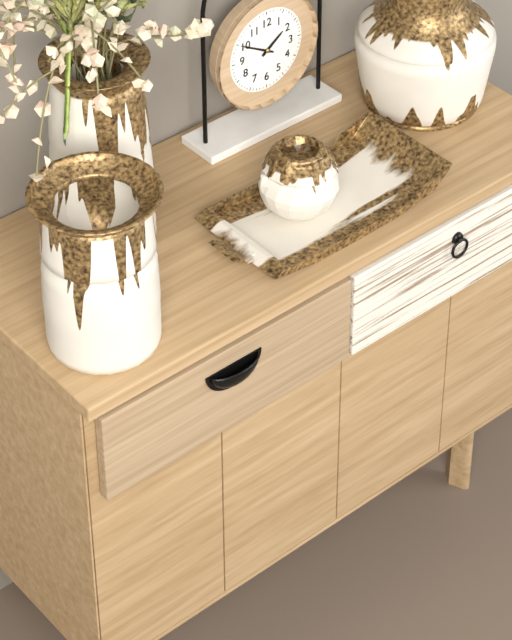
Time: 1h50
